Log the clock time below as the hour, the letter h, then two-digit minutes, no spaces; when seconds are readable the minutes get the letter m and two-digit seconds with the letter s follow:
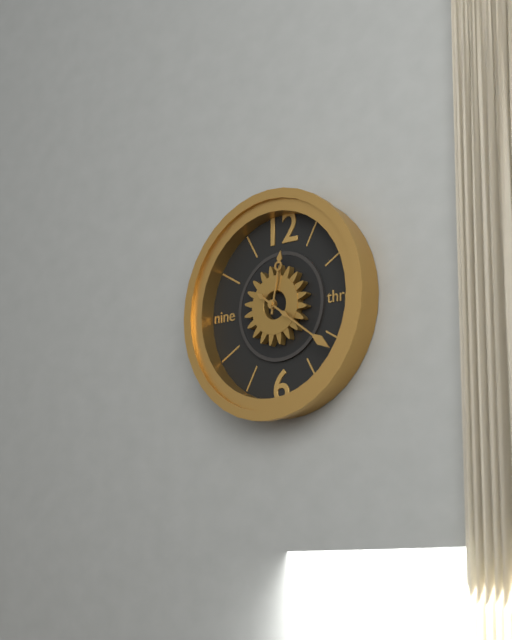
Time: 12h21
